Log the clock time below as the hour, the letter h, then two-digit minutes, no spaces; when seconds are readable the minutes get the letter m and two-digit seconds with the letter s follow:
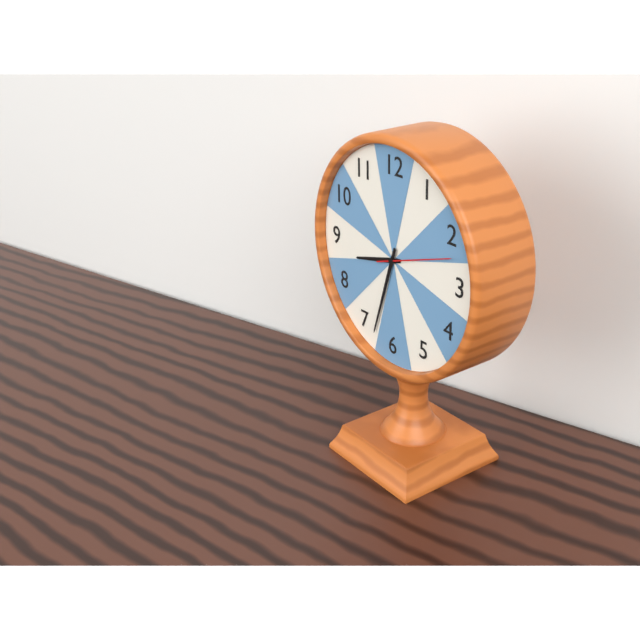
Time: 8h33m12s
